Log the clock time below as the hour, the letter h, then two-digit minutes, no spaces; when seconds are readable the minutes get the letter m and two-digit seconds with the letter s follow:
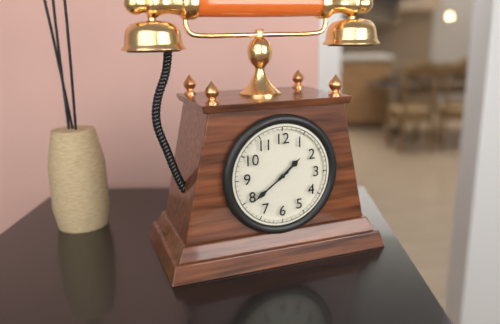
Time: 1h39
